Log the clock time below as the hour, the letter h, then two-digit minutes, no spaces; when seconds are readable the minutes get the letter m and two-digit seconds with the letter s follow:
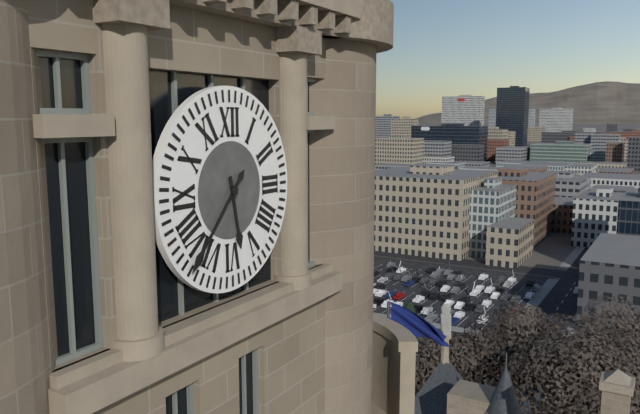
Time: 5h37
